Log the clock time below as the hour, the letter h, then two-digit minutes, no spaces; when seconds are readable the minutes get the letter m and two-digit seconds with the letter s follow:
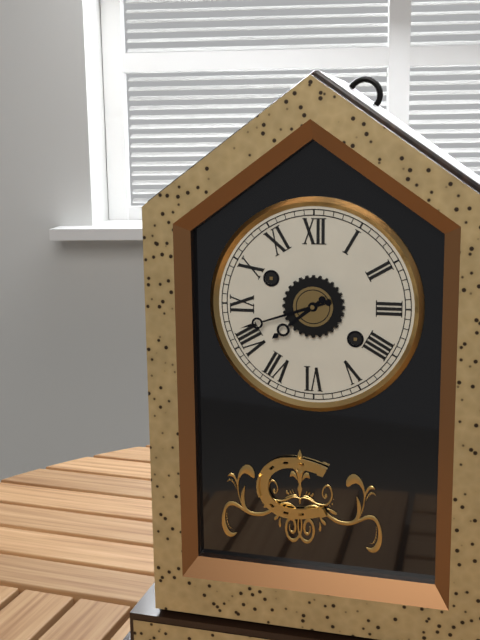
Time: 7h42
